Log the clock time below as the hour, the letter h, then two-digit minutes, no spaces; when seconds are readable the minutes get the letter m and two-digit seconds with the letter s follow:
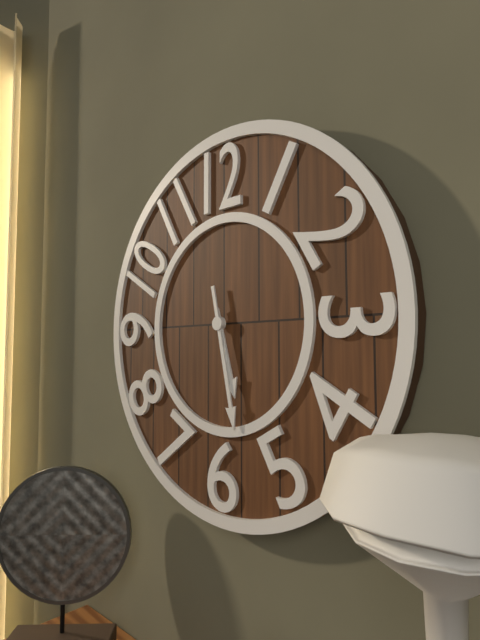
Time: 5h28
